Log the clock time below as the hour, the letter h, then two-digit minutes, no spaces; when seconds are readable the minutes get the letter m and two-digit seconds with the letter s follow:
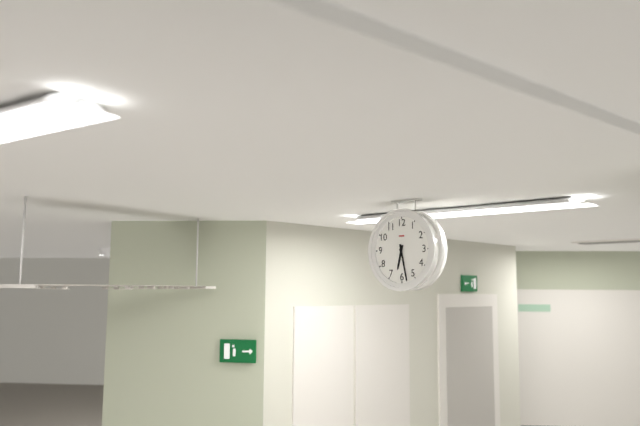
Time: 6h28
